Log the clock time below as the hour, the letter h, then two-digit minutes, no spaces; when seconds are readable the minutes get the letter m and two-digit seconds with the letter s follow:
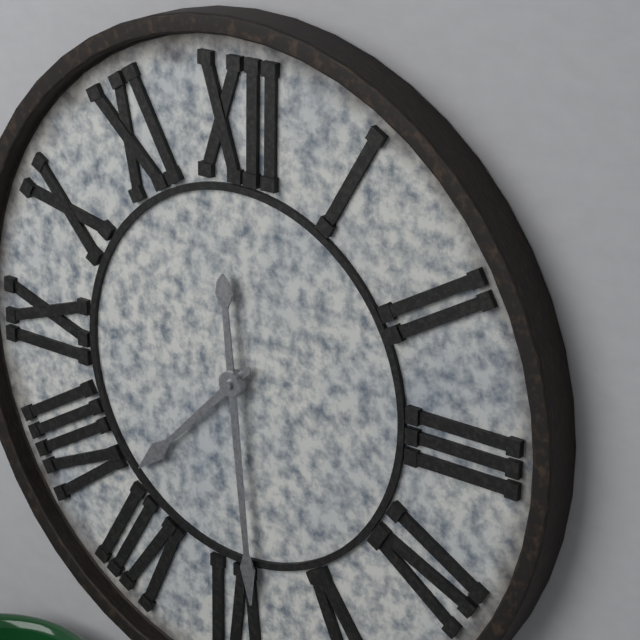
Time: 7h29
